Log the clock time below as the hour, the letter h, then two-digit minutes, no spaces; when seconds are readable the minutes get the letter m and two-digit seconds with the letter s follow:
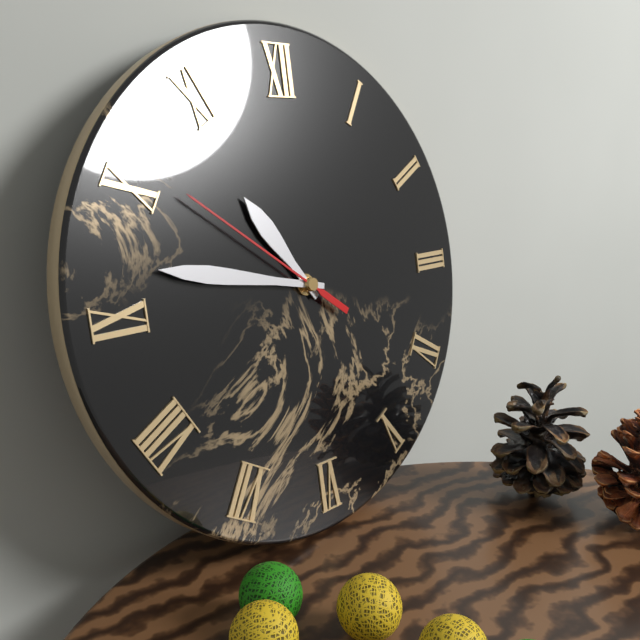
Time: 10h47m51s
